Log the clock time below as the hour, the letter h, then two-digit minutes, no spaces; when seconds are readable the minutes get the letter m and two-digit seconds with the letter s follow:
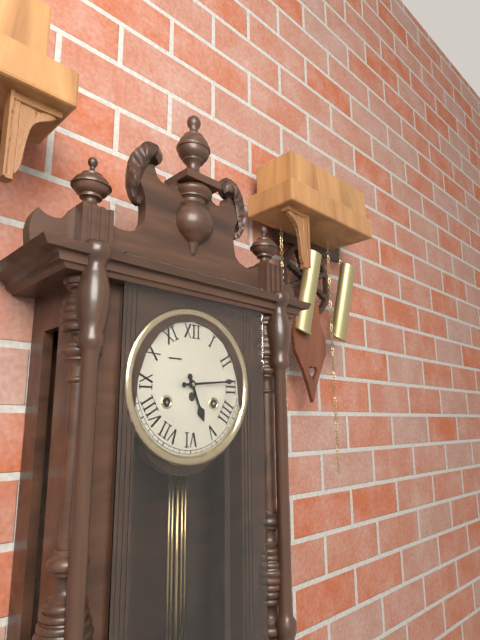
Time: 5h14
